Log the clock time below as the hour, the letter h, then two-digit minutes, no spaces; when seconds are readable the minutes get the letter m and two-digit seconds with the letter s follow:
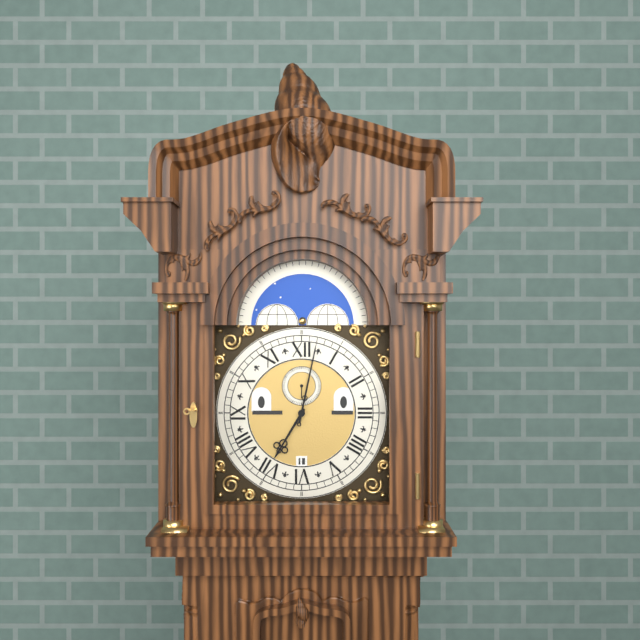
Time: 7h02
